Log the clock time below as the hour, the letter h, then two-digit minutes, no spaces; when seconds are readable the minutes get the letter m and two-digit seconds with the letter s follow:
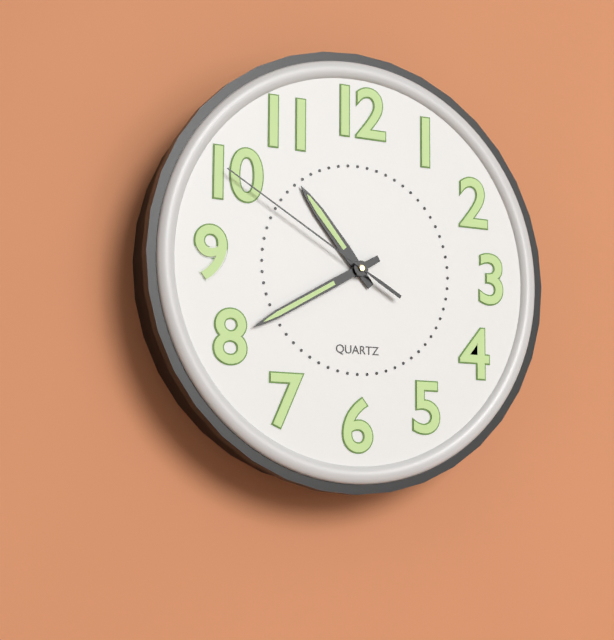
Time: 10h40m50s
